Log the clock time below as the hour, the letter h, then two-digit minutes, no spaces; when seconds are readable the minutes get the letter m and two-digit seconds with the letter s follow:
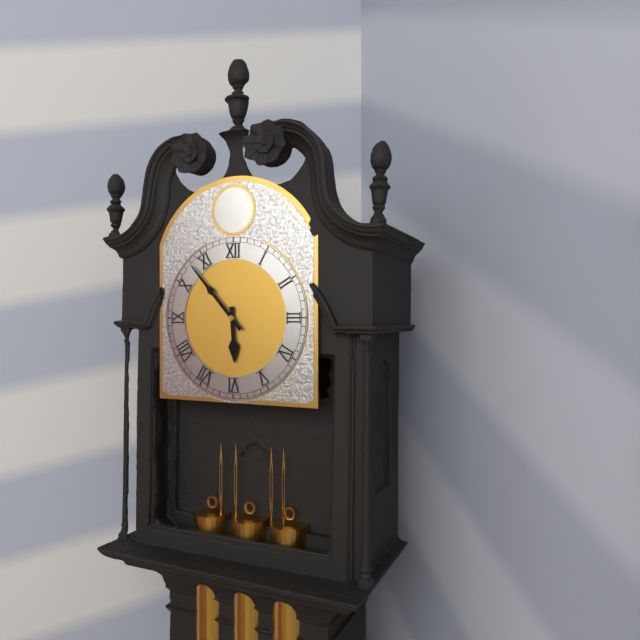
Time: 5h53
